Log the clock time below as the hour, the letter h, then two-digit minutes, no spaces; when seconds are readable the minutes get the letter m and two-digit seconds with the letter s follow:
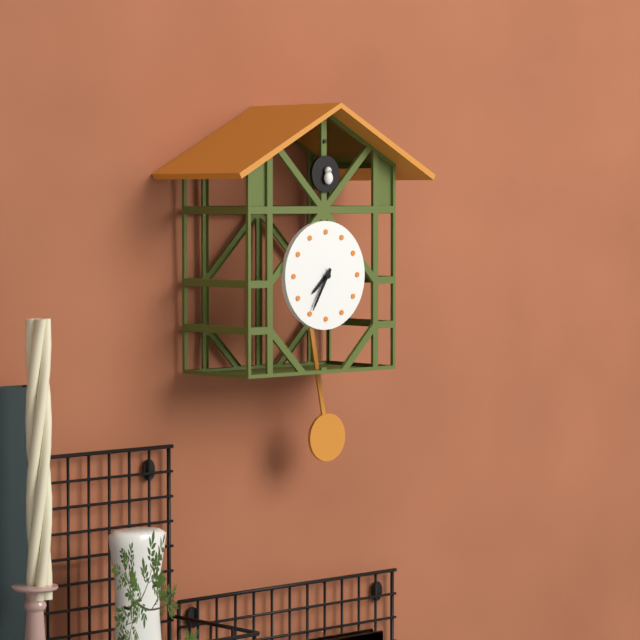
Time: 7h35
